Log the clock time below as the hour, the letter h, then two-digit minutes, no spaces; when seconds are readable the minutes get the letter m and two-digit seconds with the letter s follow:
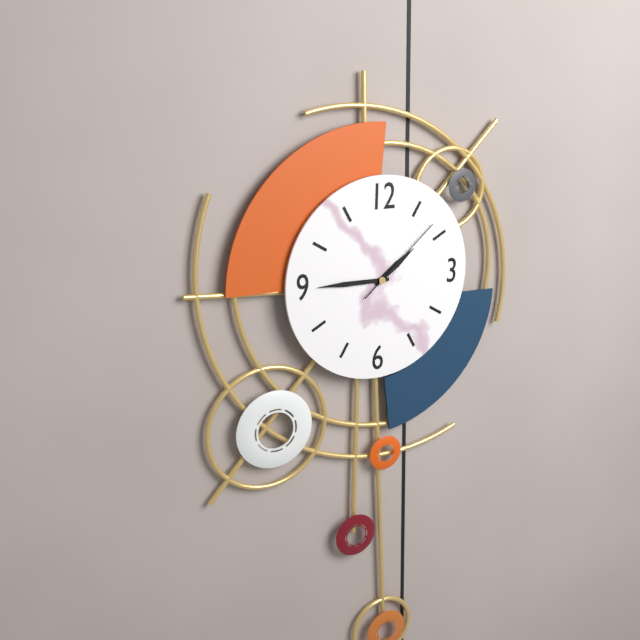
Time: 1h45m08s
